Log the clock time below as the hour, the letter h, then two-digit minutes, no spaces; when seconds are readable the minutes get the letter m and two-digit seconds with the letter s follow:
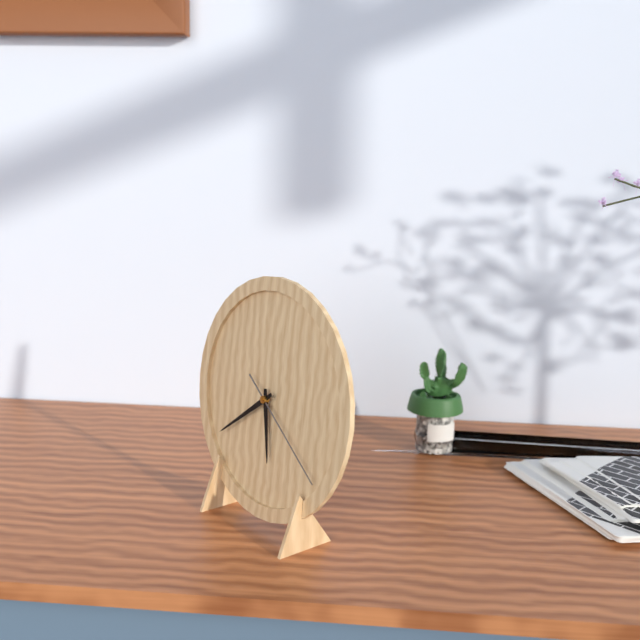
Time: 5h39m21s
